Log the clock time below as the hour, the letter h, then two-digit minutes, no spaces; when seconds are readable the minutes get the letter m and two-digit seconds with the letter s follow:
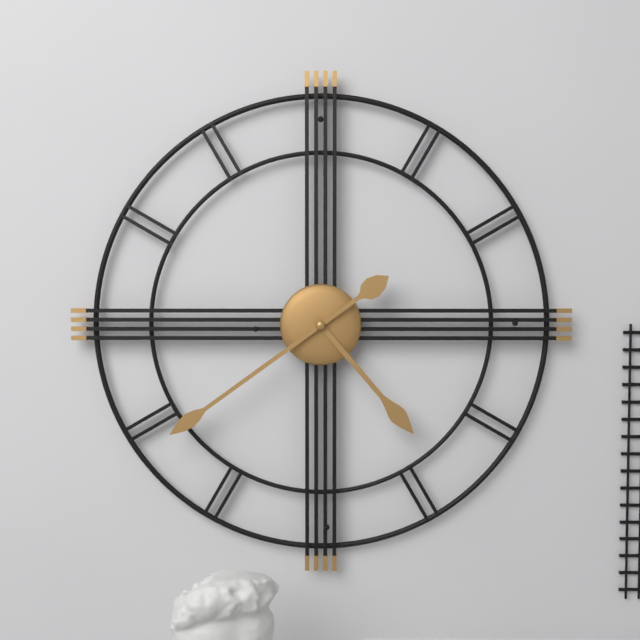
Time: 4h39
